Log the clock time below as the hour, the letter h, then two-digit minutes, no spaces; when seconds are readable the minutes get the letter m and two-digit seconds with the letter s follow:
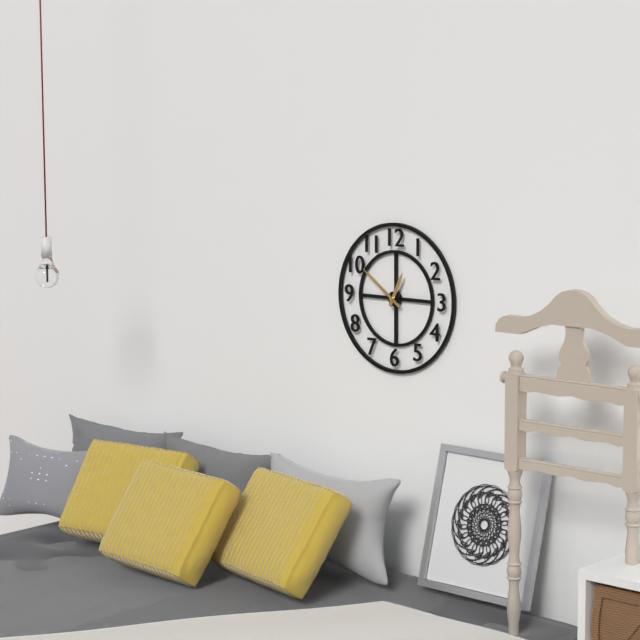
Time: 12h51
